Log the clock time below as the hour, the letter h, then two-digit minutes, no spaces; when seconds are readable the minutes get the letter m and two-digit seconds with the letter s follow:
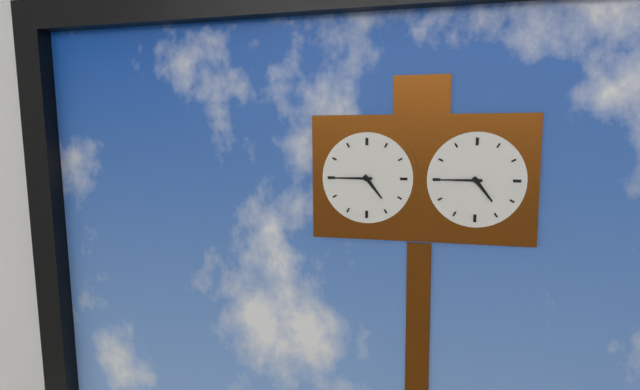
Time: 4h45
